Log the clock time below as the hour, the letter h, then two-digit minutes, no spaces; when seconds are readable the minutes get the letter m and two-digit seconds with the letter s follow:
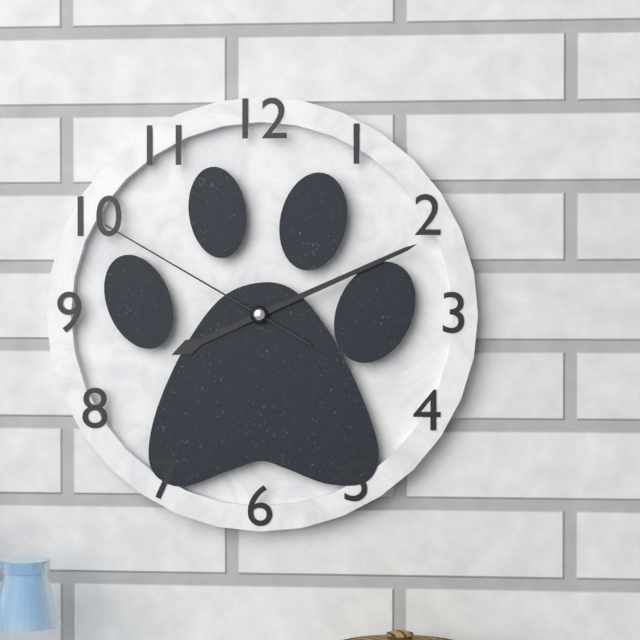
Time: 8h11m50s
